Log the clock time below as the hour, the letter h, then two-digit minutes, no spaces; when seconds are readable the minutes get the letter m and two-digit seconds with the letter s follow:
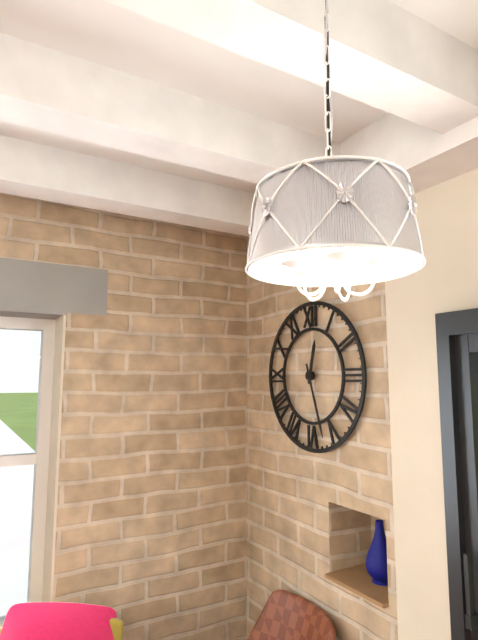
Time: 12h27
